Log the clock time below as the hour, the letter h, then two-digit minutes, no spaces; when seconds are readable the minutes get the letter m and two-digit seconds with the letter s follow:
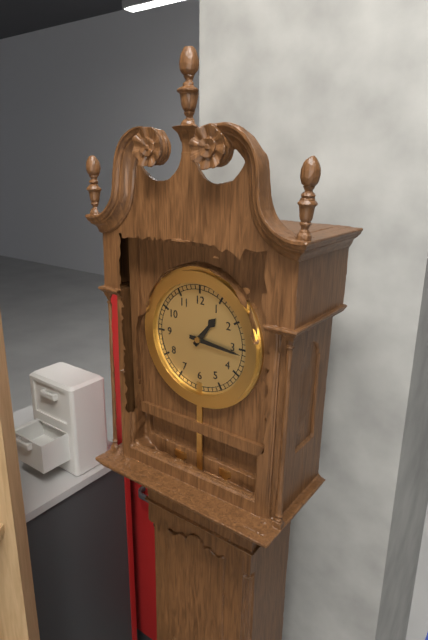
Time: 1h16
